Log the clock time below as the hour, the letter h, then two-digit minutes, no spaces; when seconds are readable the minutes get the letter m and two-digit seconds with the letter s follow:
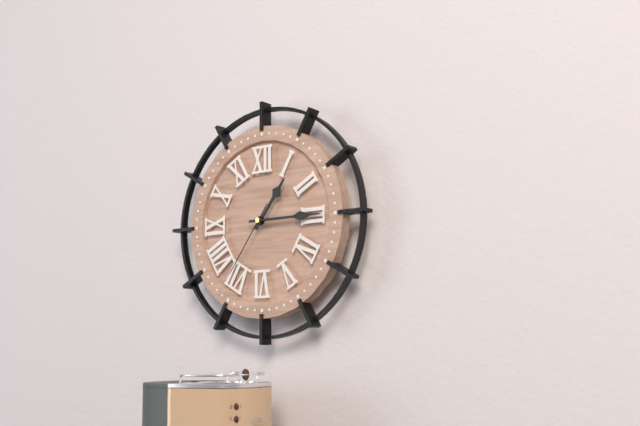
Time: 1h15m36s
